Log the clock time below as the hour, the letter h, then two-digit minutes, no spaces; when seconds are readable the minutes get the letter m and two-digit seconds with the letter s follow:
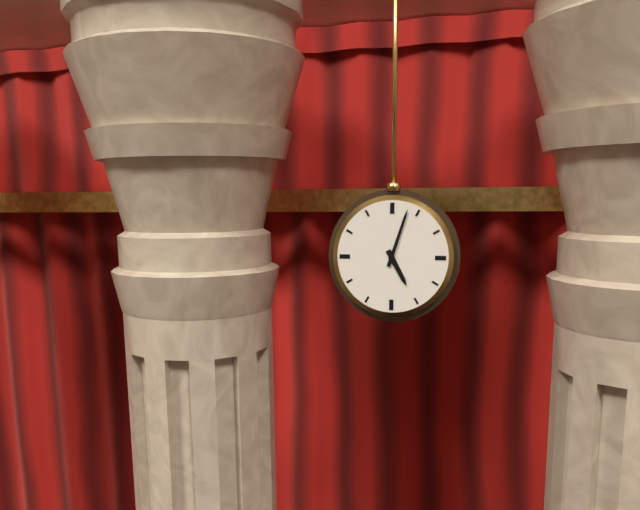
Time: 5h03
